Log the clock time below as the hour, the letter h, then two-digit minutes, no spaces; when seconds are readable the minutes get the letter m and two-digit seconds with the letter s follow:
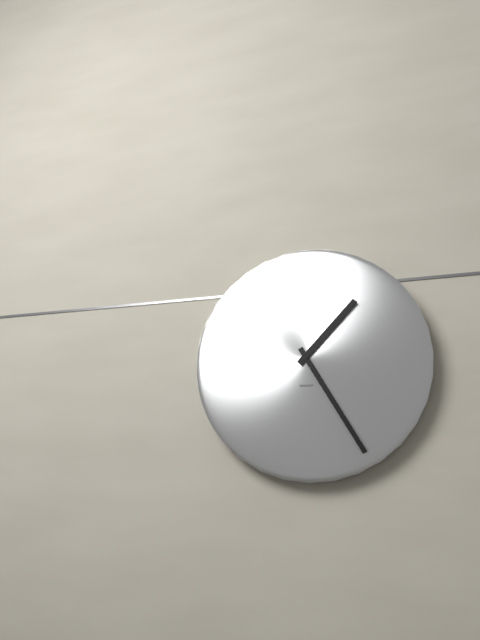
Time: 1h25
